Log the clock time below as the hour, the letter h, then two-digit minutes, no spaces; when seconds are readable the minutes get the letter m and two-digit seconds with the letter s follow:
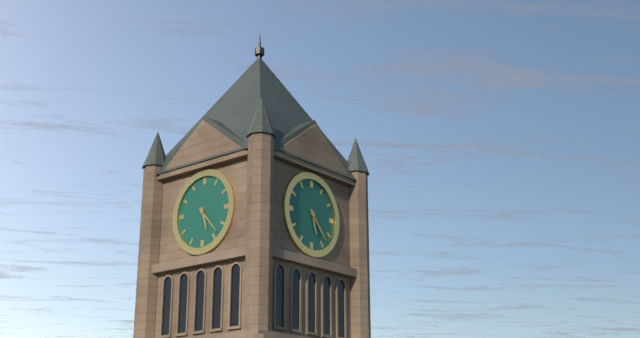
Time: 5h23
